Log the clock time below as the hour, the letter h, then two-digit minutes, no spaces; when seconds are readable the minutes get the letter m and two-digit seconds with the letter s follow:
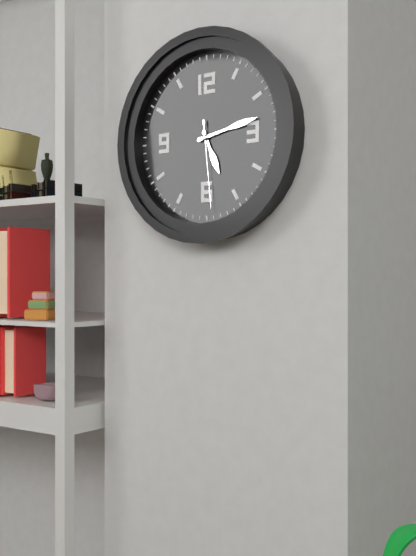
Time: 5h13m29s
